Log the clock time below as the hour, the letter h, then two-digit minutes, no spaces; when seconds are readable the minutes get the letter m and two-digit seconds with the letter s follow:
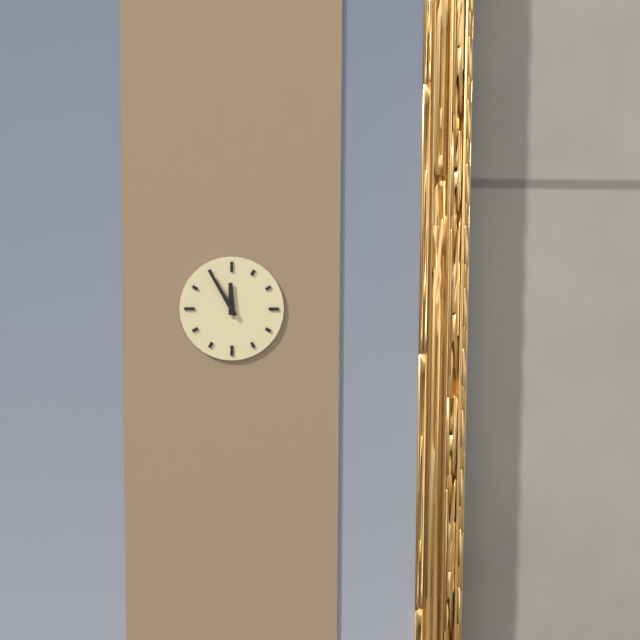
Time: 11h55
